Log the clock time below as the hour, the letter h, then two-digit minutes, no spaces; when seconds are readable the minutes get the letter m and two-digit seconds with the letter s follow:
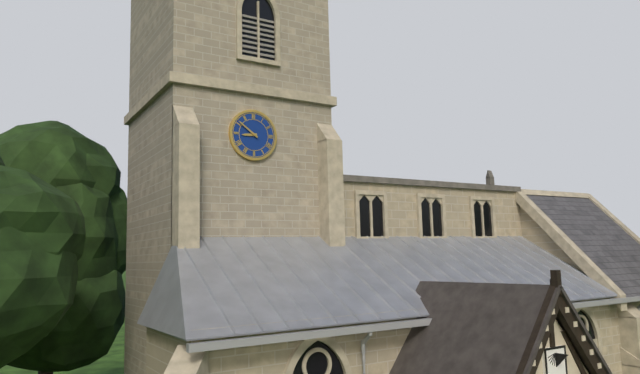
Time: 8h51
